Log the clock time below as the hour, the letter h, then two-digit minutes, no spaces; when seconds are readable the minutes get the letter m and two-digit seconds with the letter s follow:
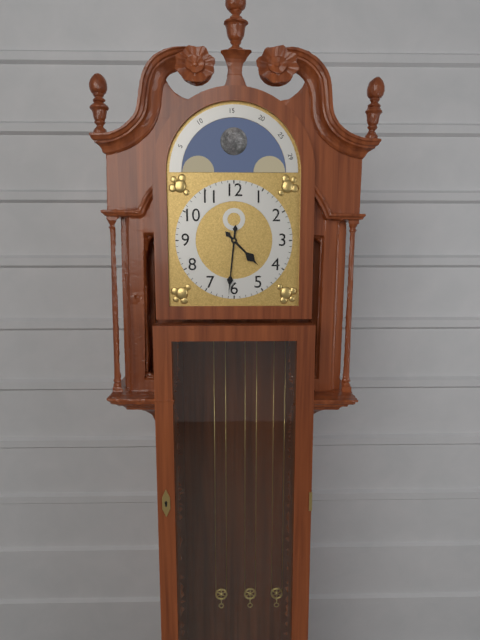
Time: 4h31
